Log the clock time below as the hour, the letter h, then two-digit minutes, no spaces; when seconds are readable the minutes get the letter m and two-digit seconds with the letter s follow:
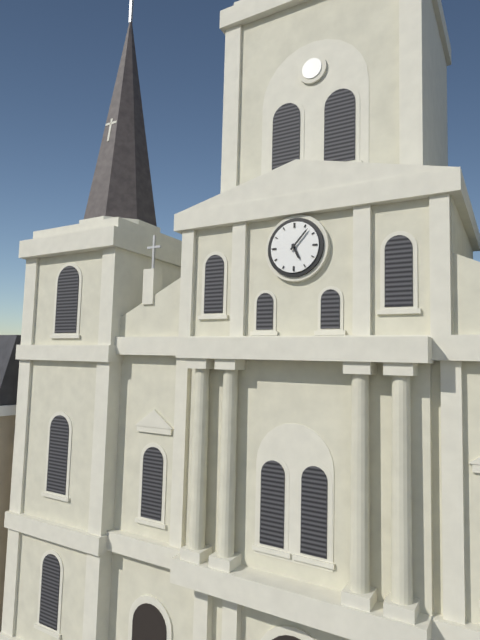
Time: 5h07
